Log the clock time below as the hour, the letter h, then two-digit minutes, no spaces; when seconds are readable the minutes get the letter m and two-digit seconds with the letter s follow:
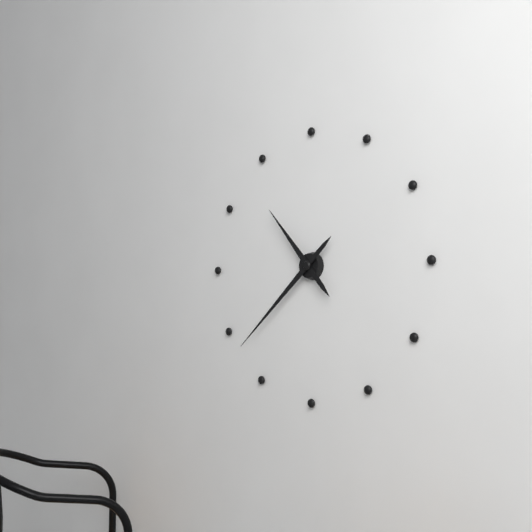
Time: 10h38
